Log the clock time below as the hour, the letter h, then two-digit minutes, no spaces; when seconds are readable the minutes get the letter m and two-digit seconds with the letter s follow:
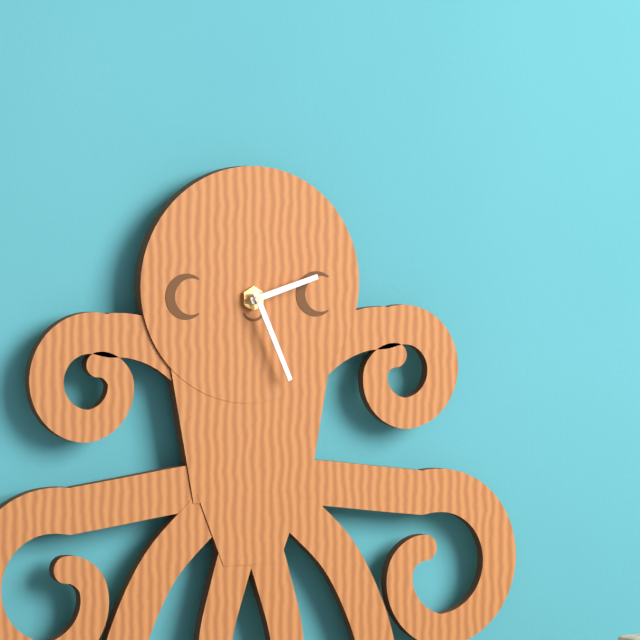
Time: 2h26
